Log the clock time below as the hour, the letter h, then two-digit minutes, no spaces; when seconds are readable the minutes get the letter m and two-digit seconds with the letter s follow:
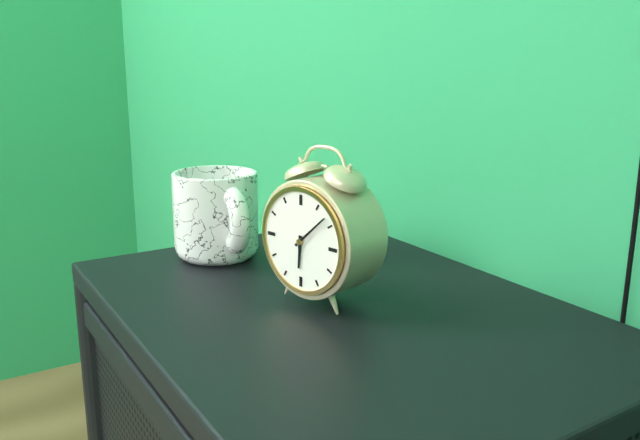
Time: 6h08
